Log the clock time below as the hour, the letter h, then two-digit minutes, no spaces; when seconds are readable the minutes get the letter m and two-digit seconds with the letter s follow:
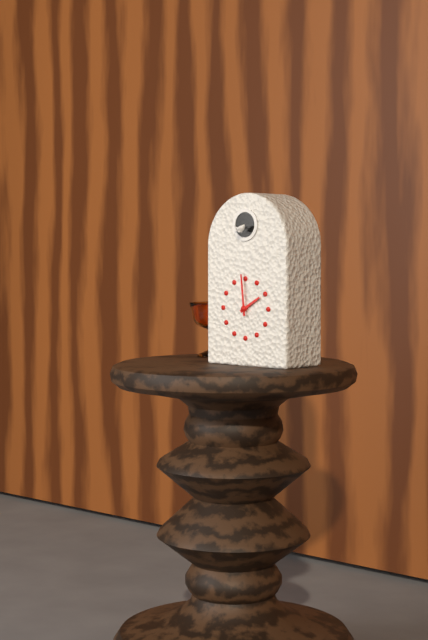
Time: 1h59
